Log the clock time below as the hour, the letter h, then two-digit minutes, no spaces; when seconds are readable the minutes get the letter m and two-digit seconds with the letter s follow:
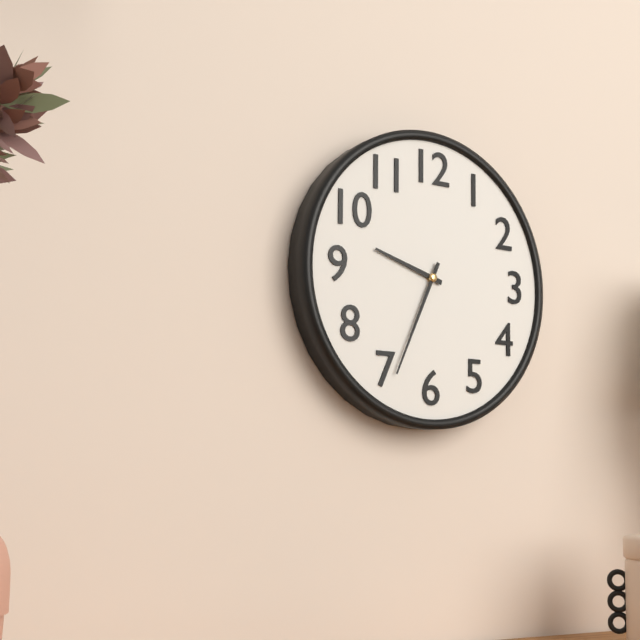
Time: 9h34
